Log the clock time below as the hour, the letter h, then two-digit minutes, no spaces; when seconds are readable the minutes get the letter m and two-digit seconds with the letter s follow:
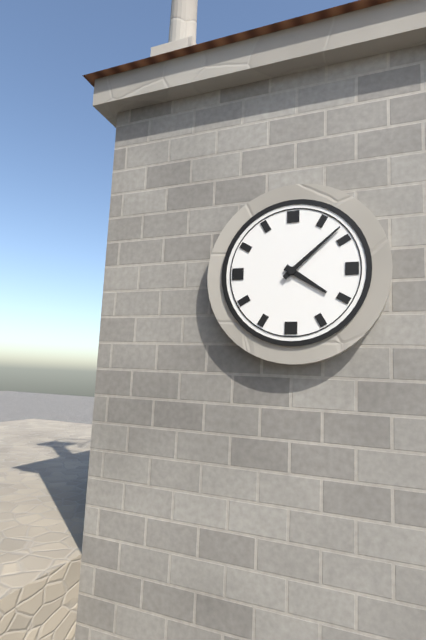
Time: 4h08
